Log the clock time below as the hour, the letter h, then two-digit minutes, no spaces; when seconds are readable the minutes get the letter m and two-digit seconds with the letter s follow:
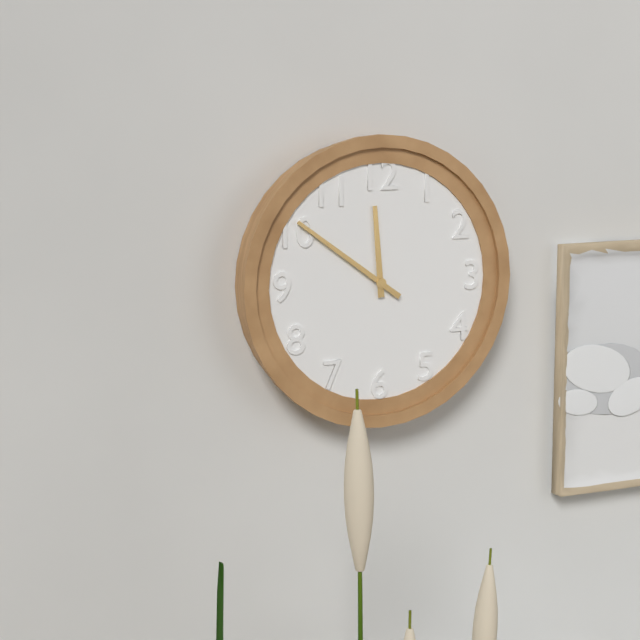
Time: 11h51
